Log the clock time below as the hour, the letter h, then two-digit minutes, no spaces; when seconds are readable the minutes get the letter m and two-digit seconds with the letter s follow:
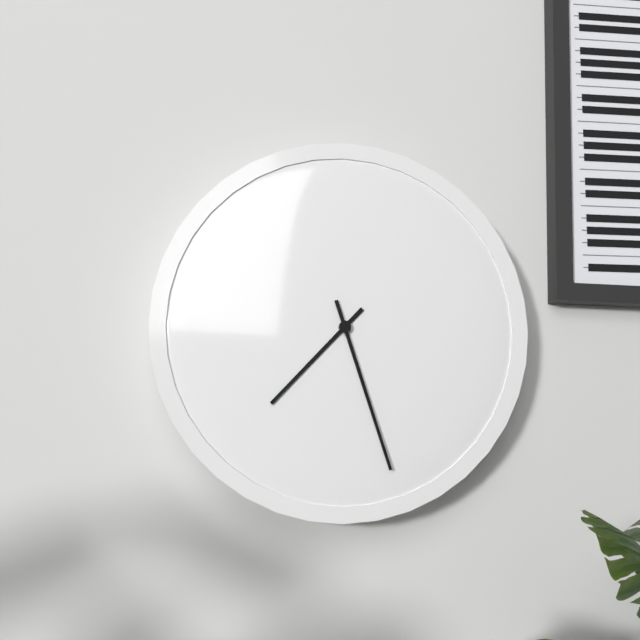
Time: 7h27
